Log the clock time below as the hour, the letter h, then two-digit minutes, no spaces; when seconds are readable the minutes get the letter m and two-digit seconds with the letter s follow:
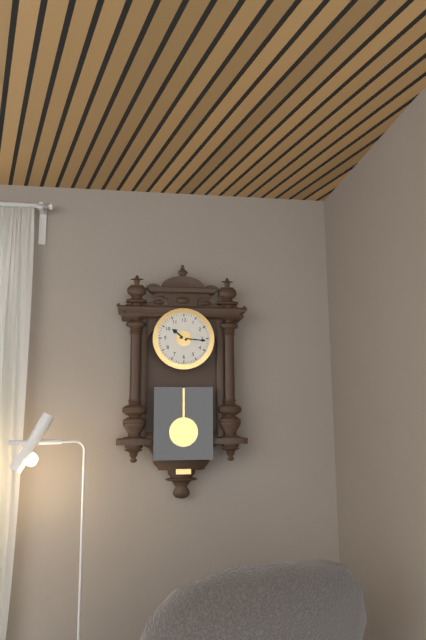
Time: 10h16
